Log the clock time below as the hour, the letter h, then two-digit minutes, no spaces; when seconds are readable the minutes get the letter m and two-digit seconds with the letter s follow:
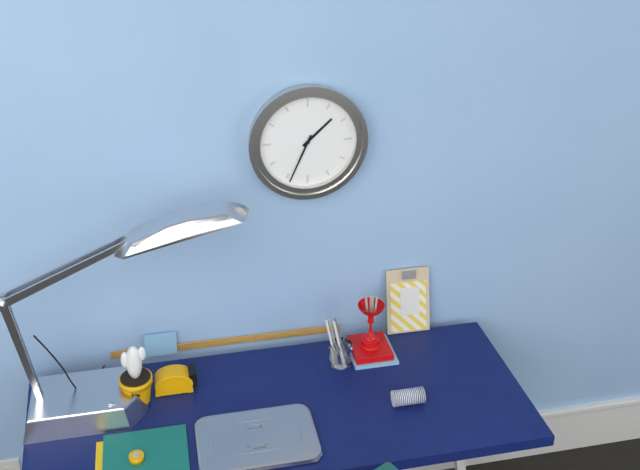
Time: 1h34
